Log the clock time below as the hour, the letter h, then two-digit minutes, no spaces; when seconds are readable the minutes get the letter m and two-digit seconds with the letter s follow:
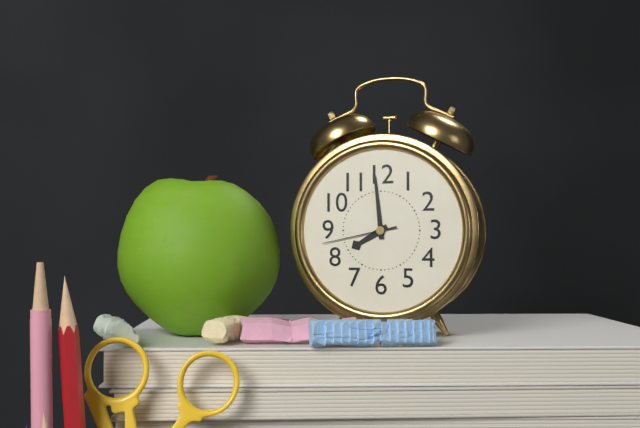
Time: 7h59m43s
